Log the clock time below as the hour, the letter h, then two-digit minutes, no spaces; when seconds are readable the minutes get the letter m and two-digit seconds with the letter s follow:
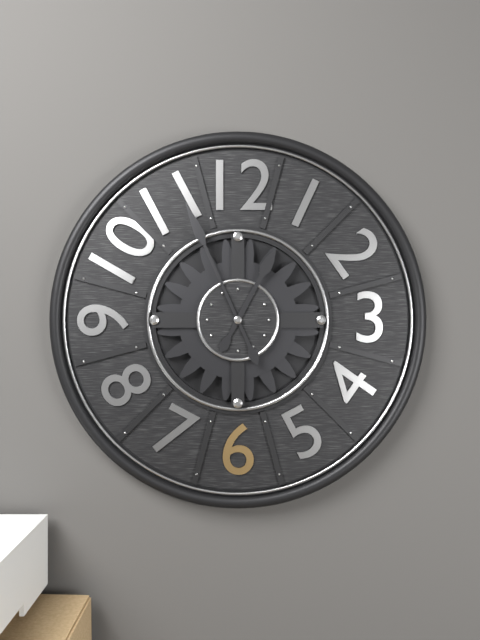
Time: 12h56
